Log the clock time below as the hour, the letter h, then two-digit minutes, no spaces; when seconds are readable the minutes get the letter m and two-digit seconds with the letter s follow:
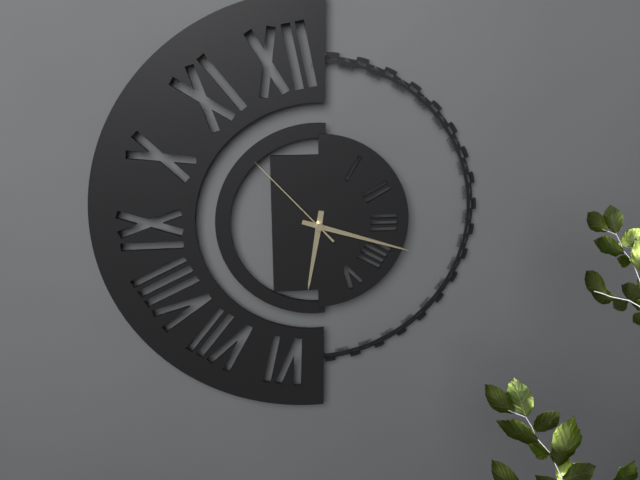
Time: 6h18m53s
